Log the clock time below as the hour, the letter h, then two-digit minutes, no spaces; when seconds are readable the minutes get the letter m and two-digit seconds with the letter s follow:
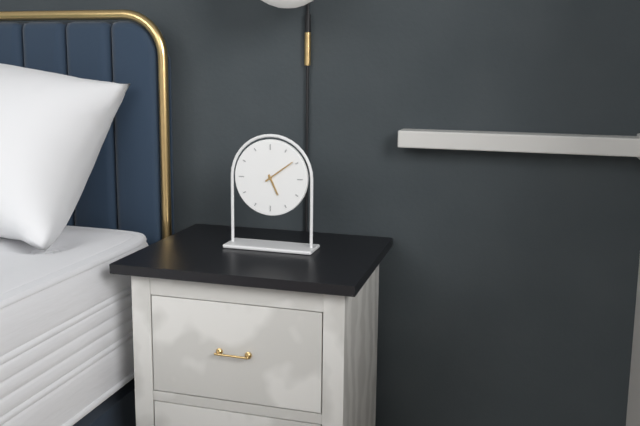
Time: 5h09
